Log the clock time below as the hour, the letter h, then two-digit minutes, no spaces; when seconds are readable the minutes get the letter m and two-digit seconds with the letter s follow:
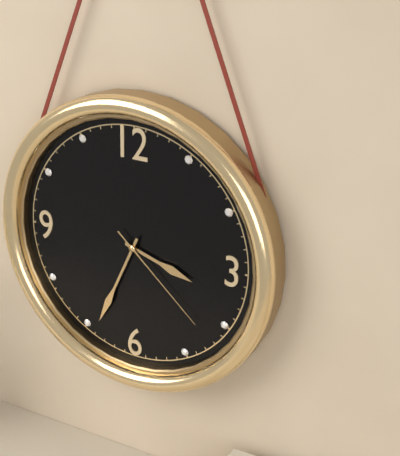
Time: 3h34m22s
